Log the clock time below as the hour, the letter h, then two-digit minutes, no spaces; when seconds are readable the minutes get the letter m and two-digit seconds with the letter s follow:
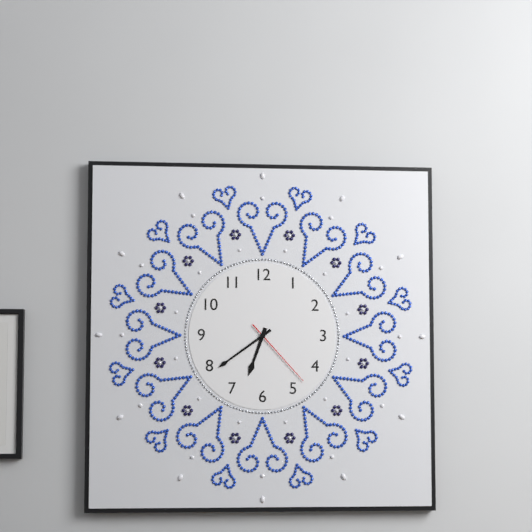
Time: 6h39m23s
